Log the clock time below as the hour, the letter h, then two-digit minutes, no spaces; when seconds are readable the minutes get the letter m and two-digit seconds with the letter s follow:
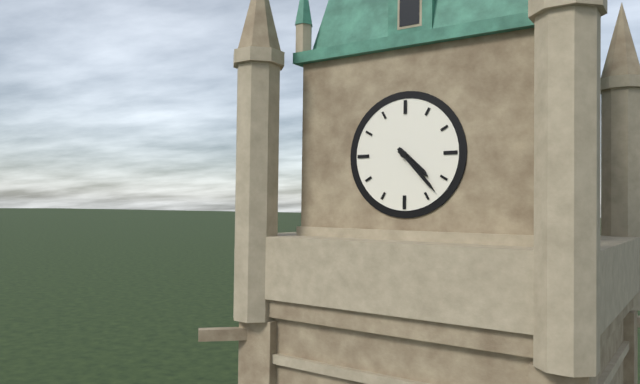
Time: 4h23
